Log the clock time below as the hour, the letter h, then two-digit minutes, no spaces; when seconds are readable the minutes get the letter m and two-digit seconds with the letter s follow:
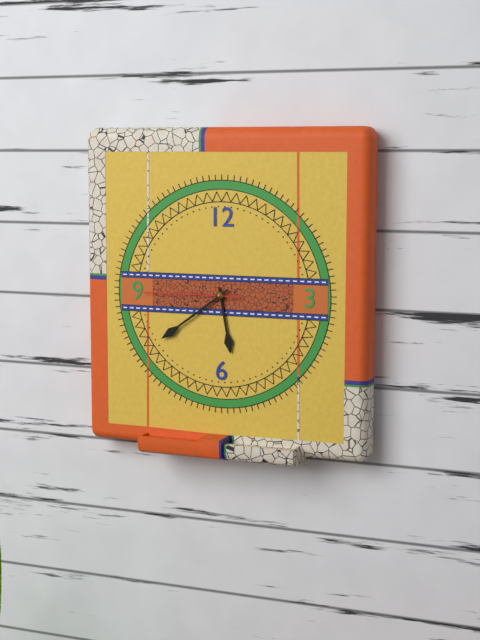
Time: 5h39m45s
